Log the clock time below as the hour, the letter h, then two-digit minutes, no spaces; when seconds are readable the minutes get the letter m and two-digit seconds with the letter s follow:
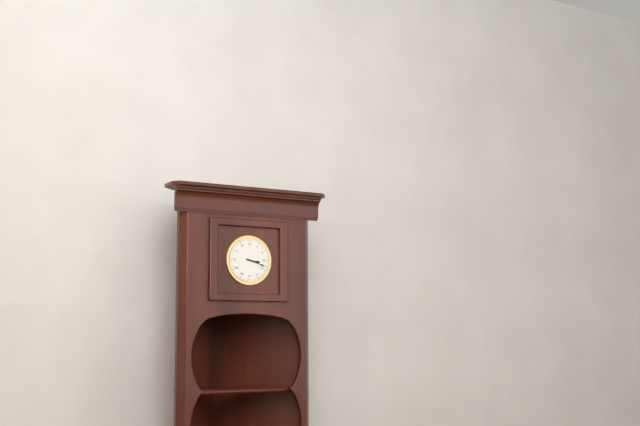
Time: 3h18
